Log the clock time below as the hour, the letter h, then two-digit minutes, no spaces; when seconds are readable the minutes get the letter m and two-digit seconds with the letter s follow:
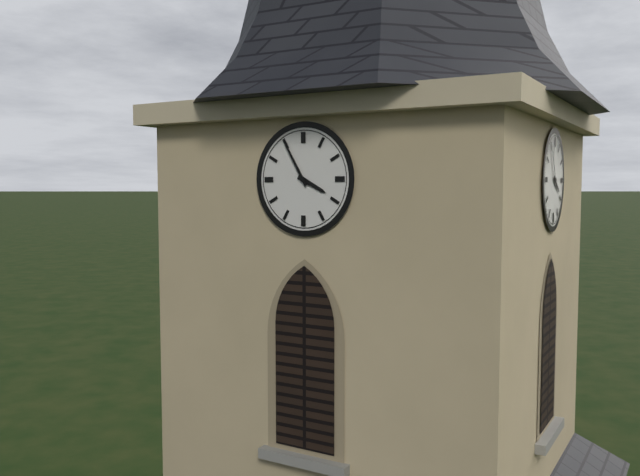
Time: 3h55
